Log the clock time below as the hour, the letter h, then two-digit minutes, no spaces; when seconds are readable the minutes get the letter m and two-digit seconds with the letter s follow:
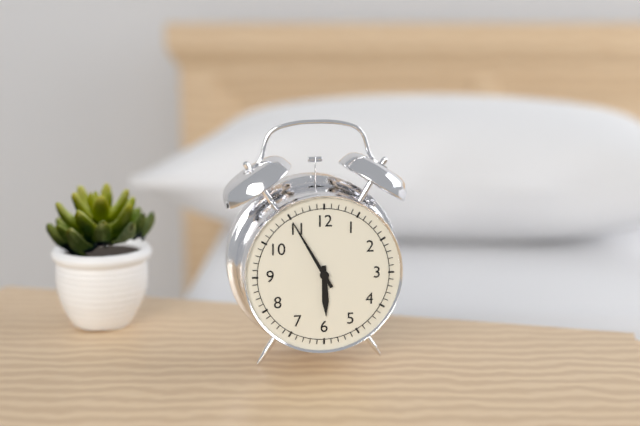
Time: 5h55
